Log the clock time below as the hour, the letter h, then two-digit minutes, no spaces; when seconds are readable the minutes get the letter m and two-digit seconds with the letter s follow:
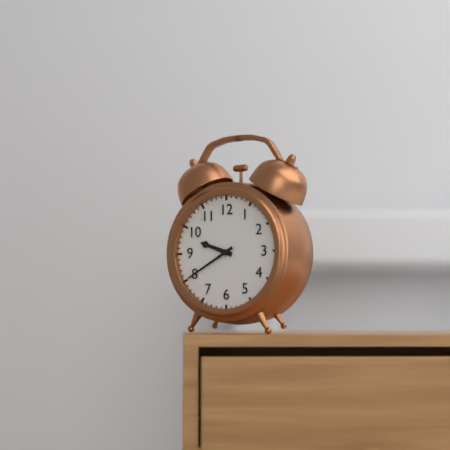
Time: 9h40
